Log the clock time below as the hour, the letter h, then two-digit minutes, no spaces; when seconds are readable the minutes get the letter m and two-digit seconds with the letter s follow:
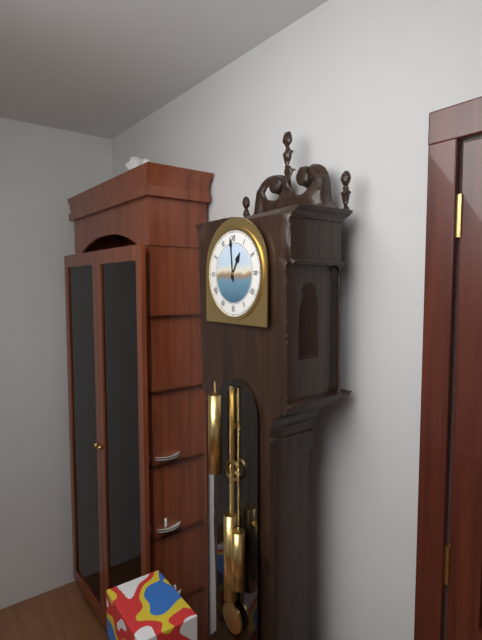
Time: 12h59
